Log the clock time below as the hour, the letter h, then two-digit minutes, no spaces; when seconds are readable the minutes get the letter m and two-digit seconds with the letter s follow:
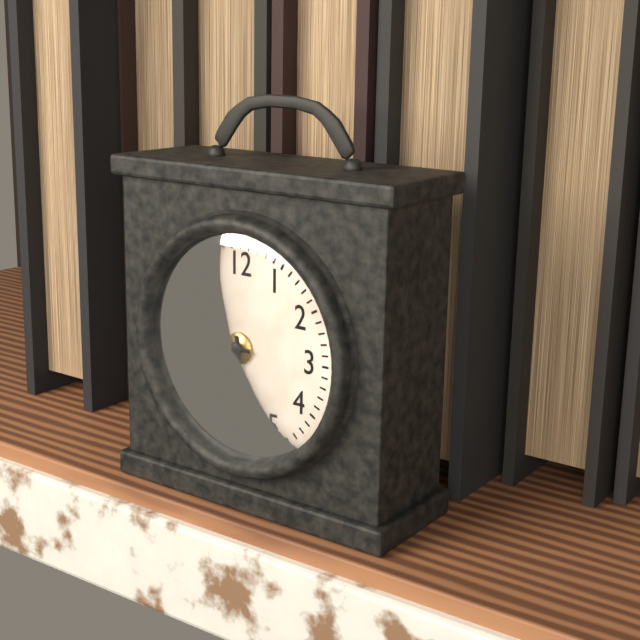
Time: 5h45
